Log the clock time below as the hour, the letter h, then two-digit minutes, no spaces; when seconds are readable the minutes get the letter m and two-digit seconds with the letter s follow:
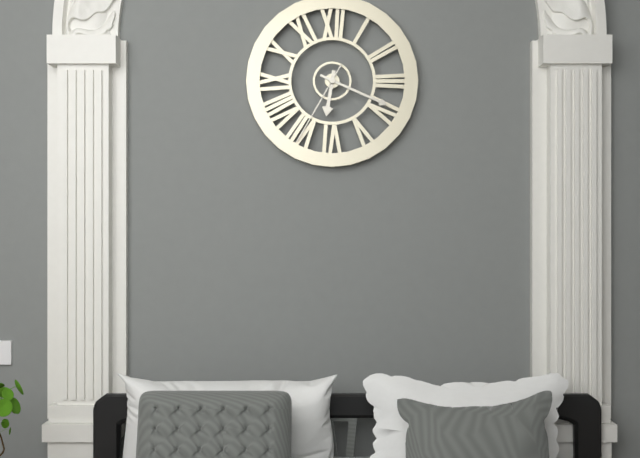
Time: 6h19m35s
